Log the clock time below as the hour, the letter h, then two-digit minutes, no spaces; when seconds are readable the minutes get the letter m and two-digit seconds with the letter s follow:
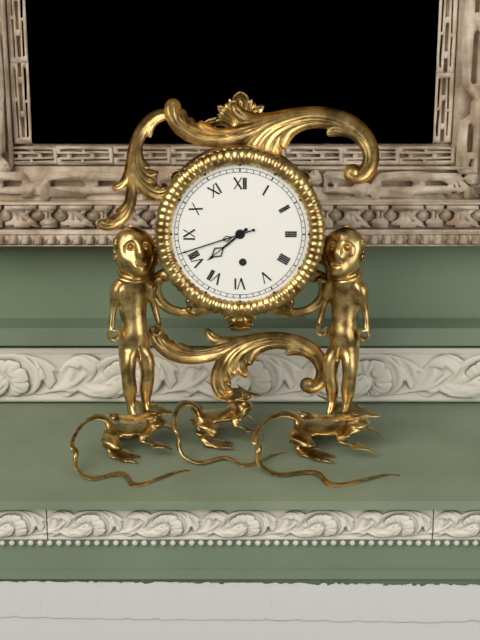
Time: 7h42
